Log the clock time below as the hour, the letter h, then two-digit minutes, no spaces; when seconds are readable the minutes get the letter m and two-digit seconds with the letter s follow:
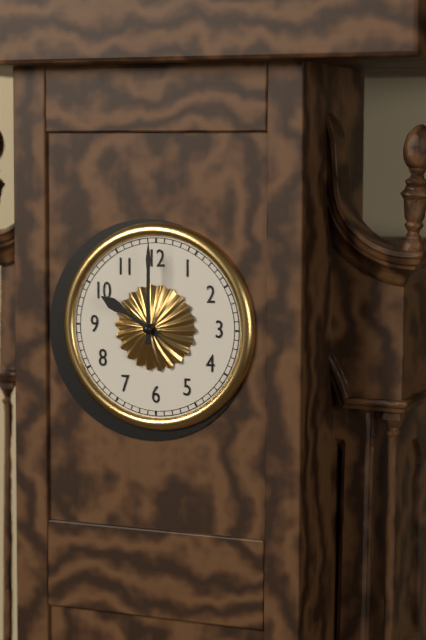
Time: 10h00
